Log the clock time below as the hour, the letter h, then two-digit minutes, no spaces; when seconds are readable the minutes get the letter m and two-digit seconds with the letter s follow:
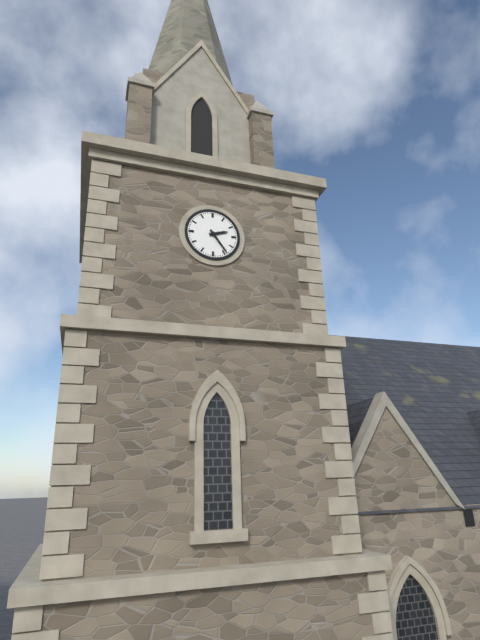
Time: 2h24
